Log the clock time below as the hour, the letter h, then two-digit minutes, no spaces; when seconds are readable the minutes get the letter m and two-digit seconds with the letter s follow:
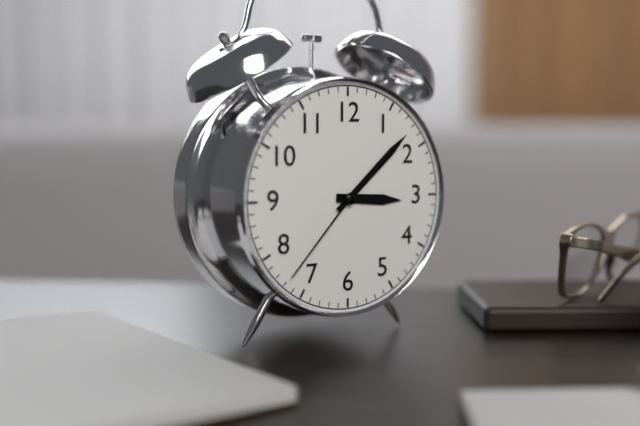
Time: 3h08m37s
